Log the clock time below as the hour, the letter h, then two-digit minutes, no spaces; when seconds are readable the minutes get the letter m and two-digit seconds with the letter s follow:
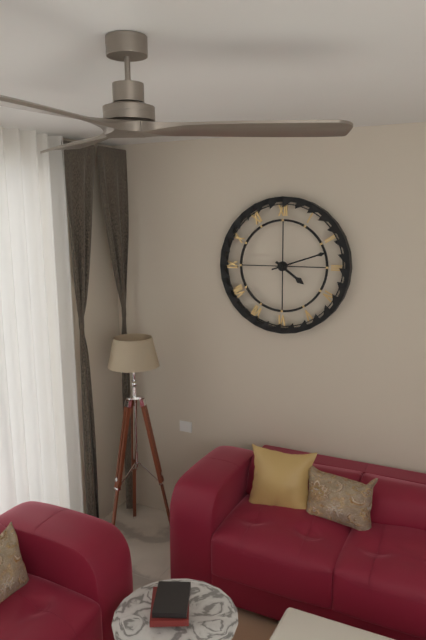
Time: 4h12
